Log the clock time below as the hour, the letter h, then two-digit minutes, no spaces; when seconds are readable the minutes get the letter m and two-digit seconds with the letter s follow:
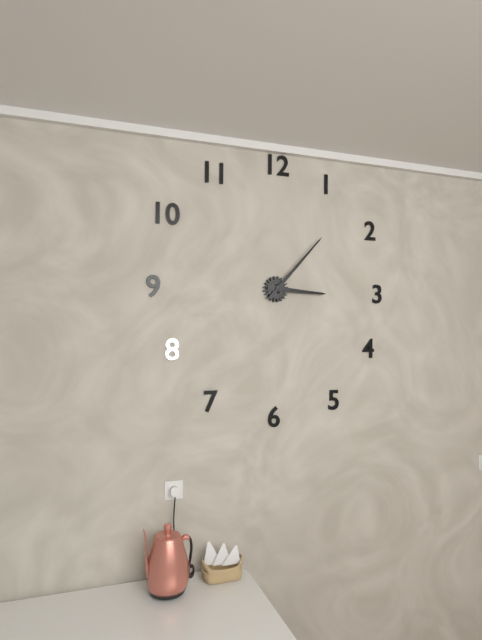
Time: 3h07
